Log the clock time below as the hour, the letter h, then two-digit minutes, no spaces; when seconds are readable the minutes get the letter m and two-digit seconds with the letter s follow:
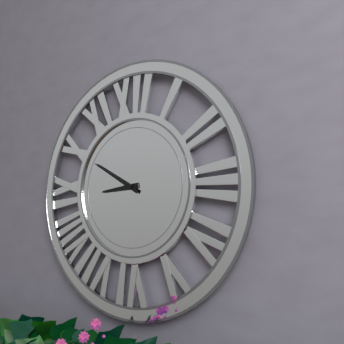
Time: 8h50
